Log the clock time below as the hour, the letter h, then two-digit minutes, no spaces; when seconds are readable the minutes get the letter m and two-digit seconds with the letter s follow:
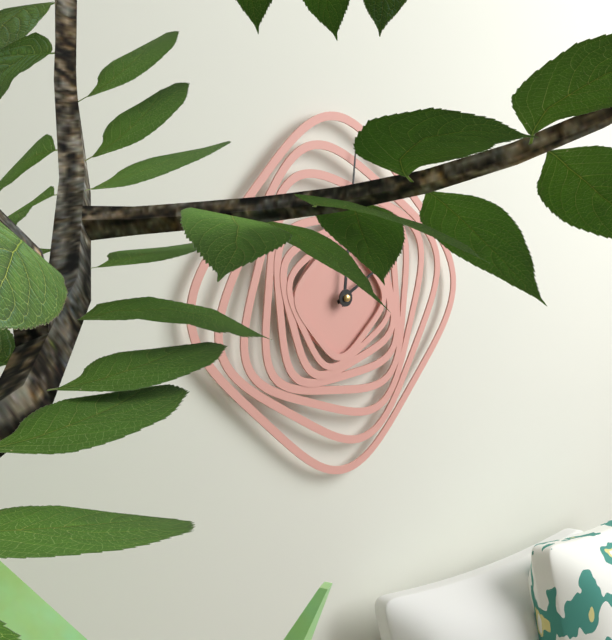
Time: 2h01
